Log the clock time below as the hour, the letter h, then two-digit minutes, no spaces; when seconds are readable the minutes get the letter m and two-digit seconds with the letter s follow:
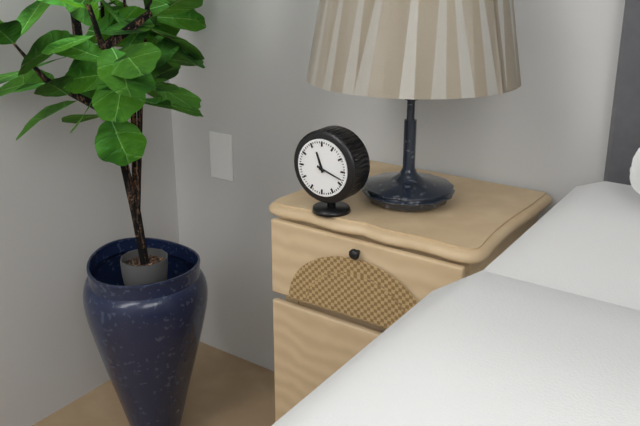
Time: 11h18
